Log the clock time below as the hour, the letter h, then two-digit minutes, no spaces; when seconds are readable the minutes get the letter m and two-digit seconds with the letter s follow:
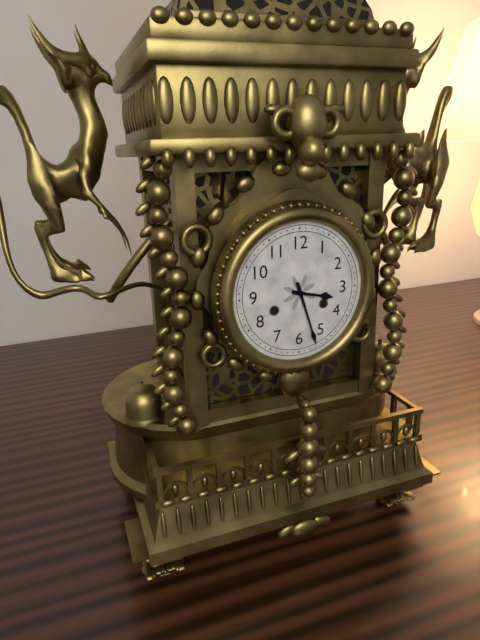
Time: 3h27
